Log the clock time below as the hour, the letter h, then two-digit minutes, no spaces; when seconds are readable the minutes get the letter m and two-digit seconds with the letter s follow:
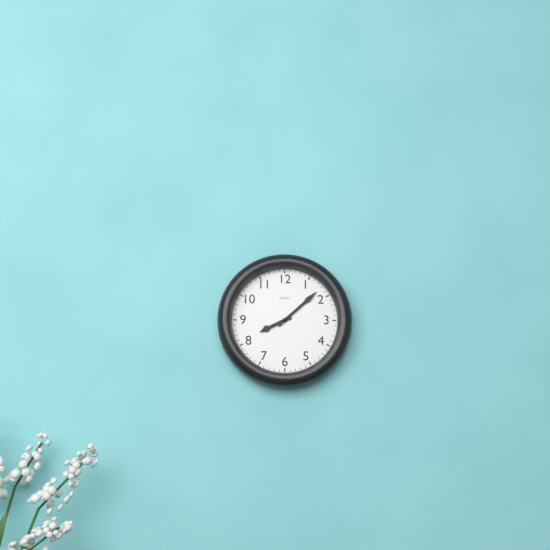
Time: 8h08
